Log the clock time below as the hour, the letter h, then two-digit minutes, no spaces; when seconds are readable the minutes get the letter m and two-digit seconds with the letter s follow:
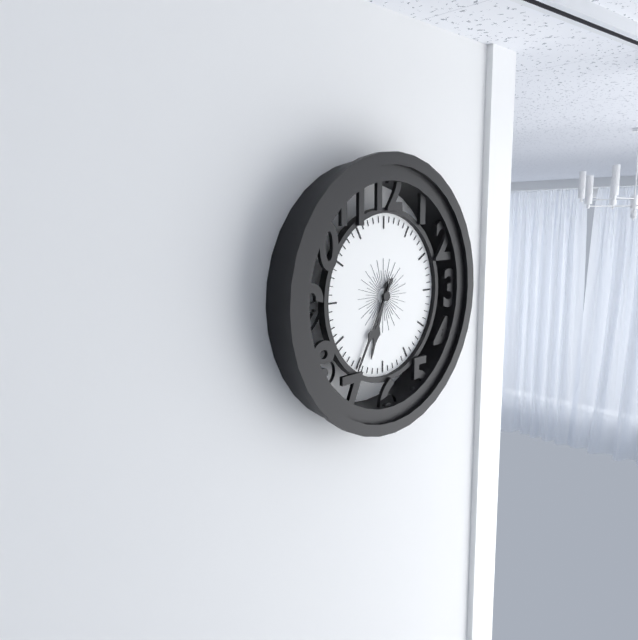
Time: 6h35
